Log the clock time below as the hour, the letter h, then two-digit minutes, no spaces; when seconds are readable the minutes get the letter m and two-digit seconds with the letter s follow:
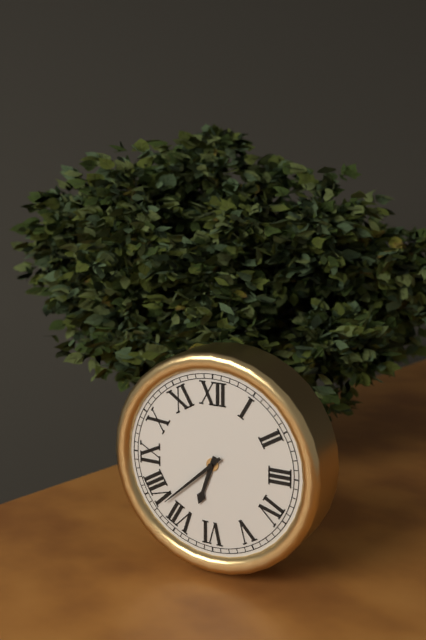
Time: 6h38
